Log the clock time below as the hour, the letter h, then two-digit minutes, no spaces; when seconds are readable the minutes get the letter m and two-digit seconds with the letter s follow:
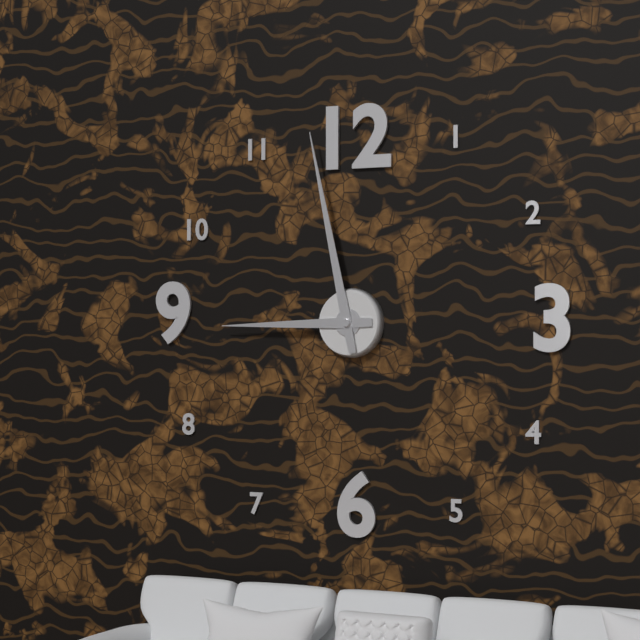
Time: 8h58
